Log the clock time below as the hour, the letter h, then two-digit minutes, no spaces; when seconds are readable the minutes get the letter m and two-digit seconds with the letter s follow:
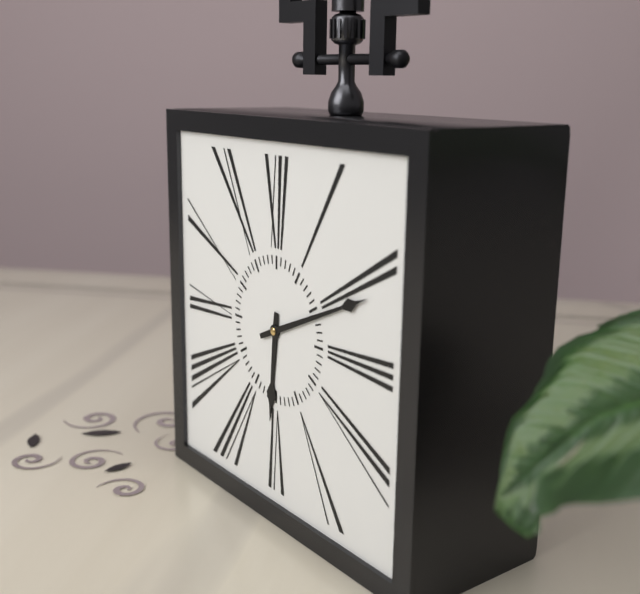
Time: 6h11
